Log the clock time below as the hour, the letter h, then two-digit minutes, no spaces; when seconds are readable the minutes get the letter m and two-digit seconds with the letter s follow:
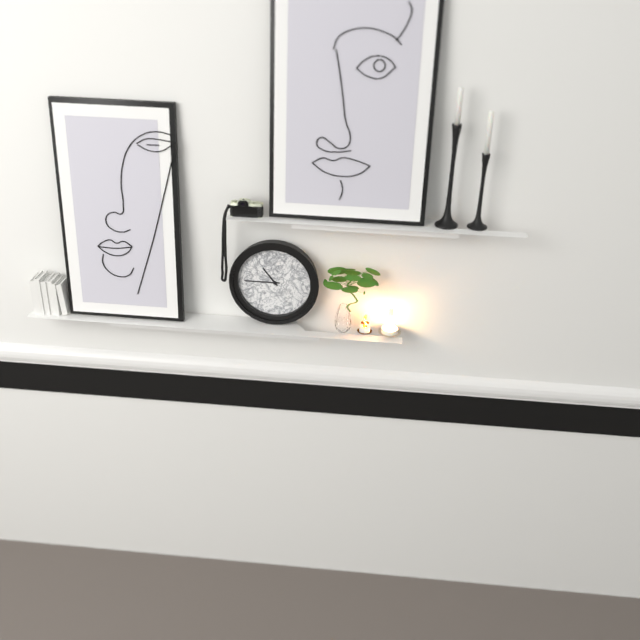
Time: 10h45
